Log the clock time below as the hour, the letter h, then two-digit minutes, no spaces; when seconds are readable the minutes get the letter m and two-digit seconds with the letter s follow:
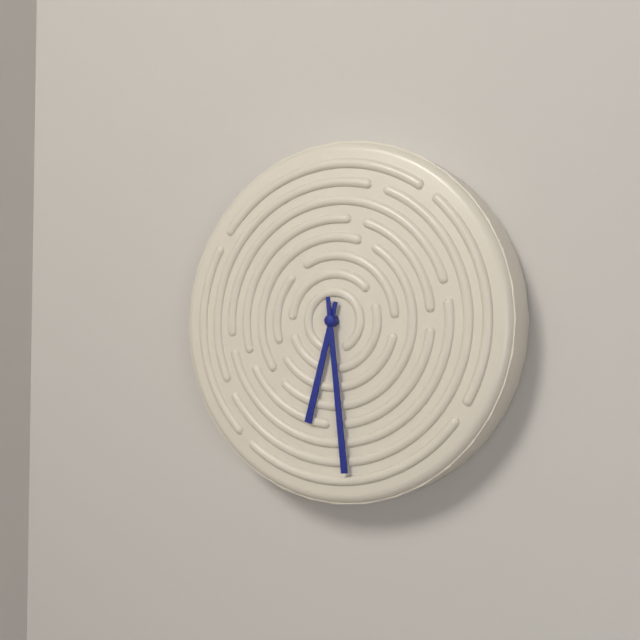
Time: 6h29
